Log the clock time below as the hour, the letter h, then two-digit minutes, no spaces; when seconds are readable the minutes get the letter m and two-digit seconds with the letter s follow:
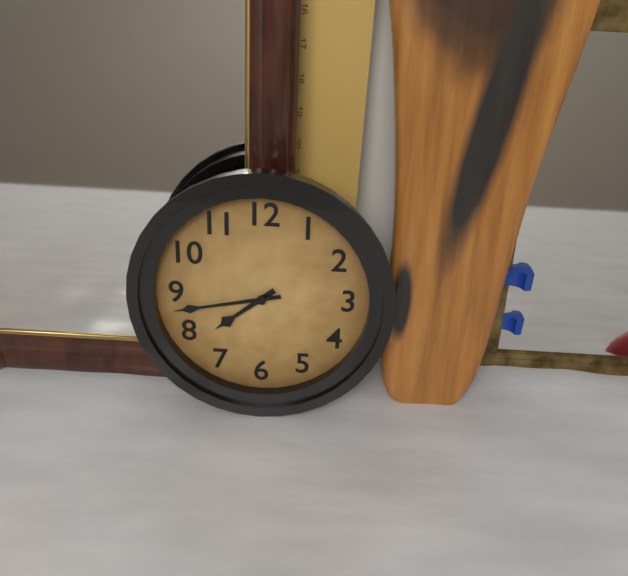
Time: 7h43
